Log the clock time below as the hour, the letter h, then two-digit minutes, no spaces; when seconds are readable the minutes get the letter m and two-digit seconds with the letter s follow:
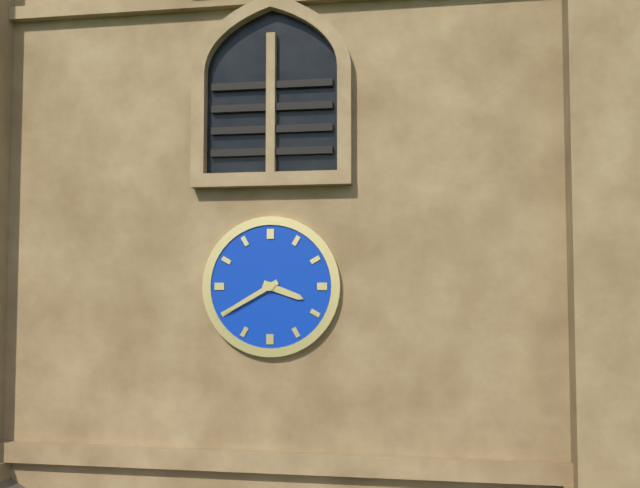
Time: 3h40
